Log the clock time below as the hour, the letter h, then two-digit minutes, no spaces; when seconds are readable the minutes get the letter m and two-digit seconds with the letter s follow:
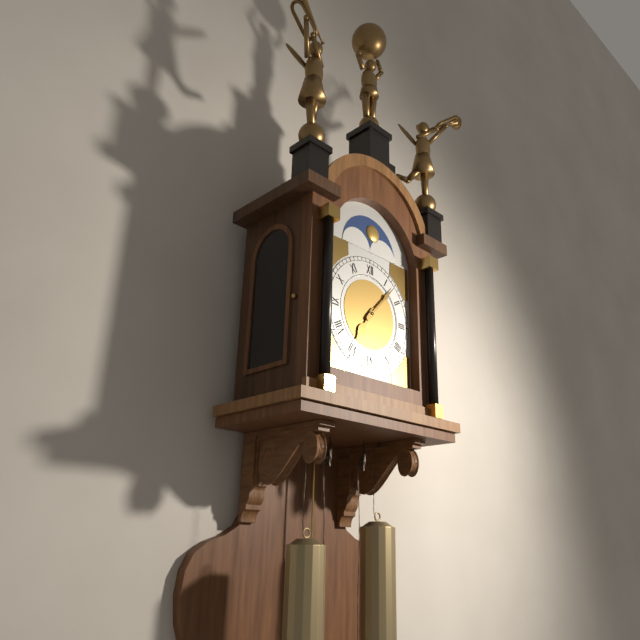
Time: 7h07
